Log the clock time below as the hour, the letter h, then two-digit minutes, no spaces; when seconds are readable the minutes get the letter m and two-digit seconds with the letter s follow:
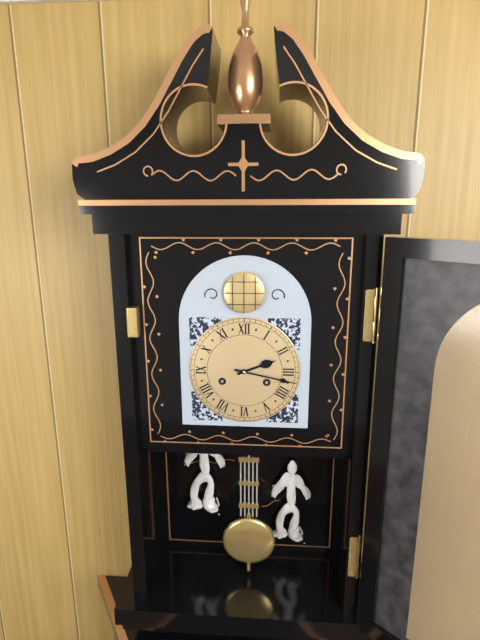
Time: 2h17
